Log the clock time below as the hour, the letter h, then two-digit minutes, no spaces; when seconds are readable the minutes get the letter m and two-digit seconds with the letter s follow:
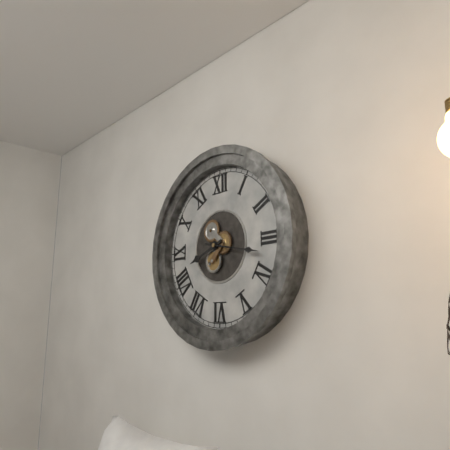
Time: 8h17
